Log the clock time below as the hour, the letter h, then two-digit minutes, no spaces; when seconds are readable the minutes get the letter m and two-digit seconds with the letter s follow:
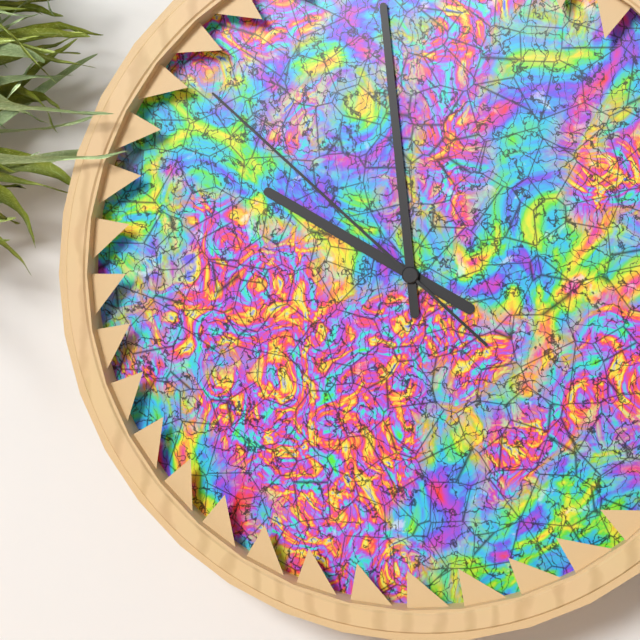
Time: 9h59m52s
